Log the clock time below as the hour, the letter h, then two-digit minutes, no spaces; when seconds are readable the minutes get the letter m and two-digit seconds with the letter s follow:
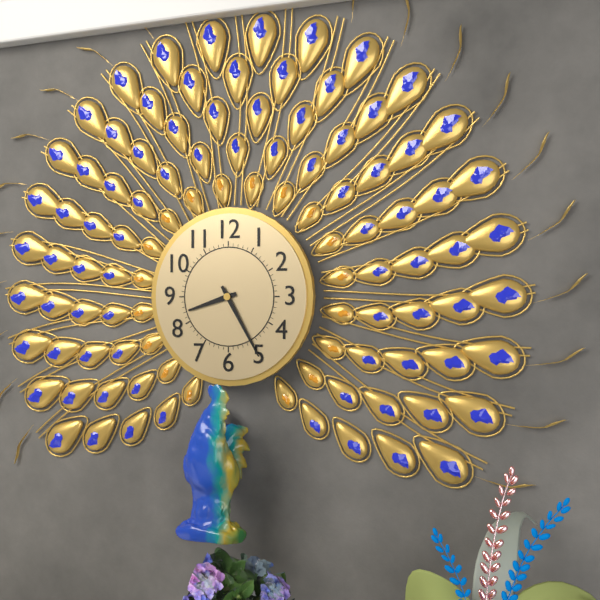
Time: 8h25
